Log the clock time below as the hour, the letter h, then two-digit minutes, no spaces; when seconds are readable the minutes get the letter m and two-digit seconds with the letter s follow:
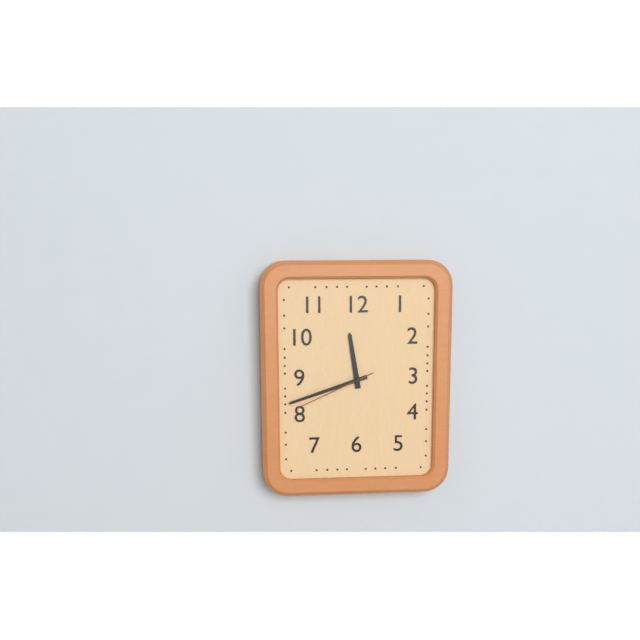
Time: 11h42m41s
